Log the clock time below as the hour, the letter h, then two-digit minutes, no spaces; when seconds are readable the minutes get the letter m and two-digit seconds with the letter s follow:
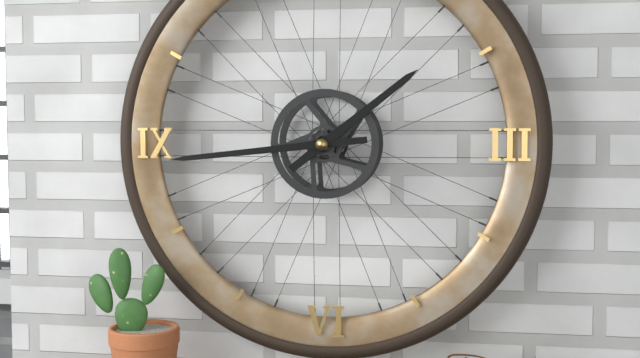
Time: 1h44
